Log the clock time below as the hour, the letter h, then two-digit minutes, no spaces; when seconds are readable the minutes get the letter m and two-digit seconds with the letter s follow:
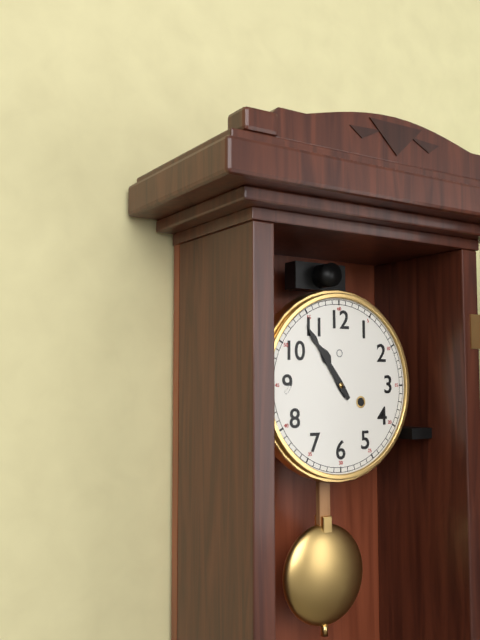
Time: 10h54
